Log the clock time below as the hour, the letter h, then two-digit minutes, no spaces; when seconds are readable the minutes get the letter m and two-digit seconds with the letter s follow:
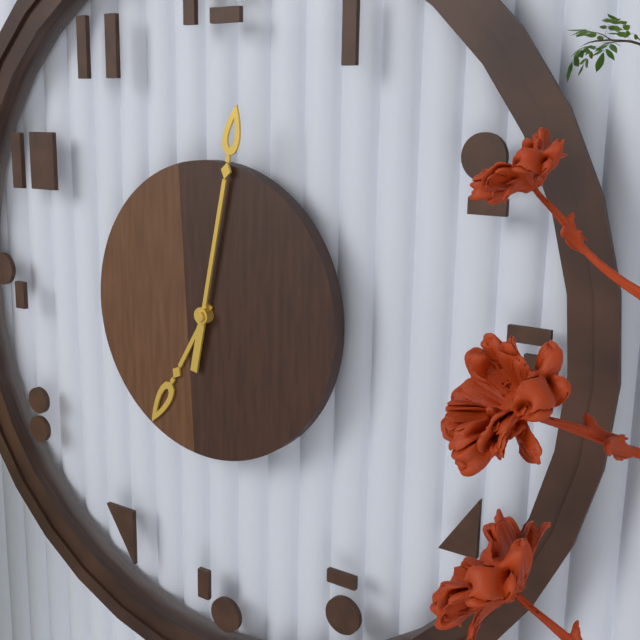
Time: 7h02
